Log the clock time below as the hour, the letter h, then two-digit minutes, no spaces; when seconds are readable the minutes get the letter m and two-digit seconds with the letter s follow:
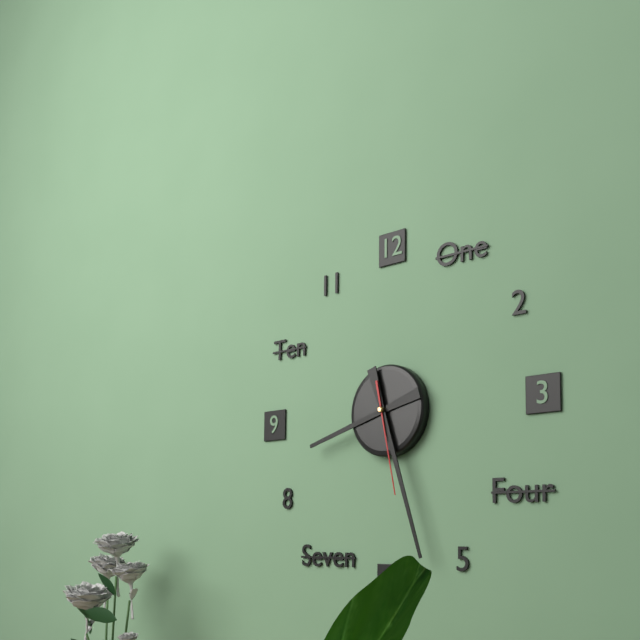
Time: 8h27m28s
